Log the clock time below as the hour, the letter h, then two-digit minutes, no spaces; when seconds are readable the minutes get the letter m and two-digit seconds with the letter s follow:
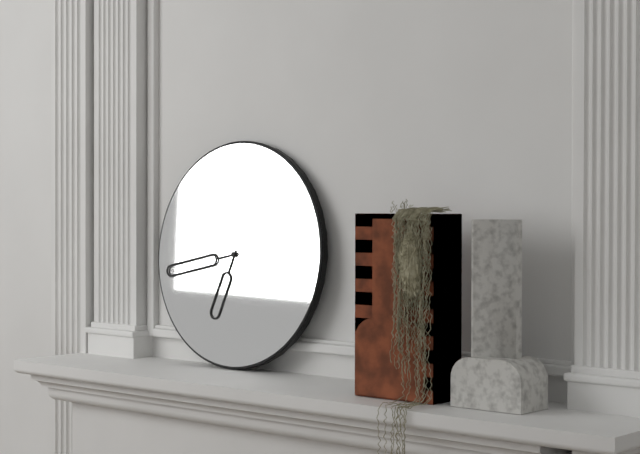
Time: 6h43
